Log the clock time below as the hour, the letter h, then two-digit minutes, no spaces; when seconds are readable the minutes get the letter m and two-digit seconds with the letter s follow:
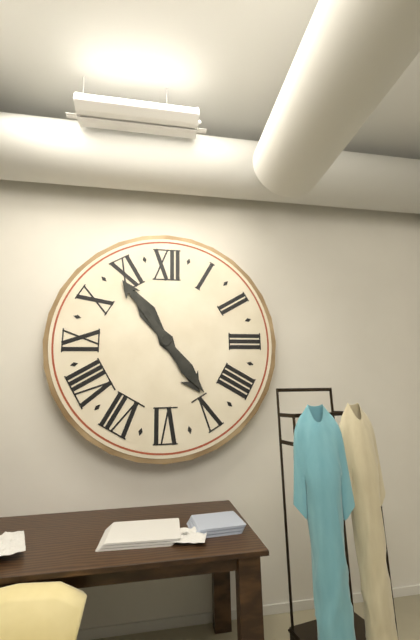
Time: 4h54
